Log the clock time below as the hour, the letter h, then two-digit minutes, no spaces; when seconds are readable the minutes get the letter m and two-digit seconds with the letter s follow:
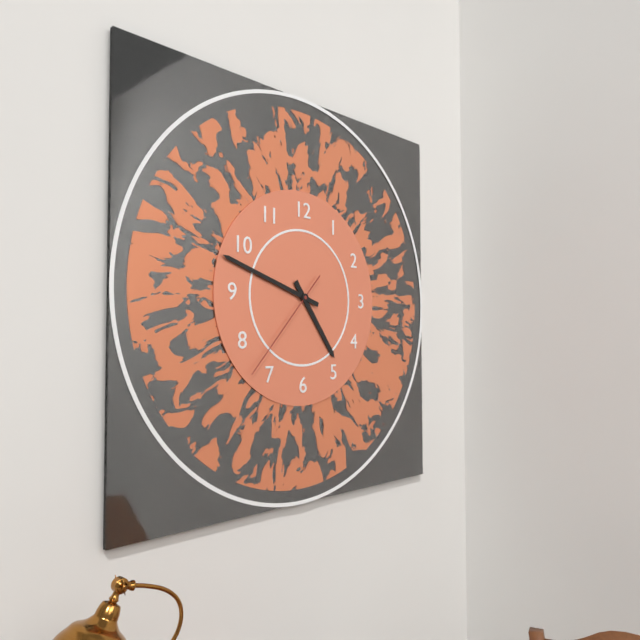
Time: 4h48m37s
